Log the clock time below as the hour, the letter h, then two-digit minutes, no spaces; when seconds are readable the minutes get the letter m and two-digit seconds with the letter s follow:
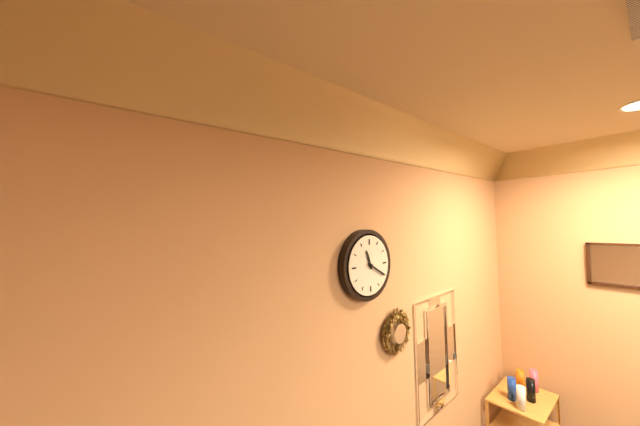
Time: 11h20
